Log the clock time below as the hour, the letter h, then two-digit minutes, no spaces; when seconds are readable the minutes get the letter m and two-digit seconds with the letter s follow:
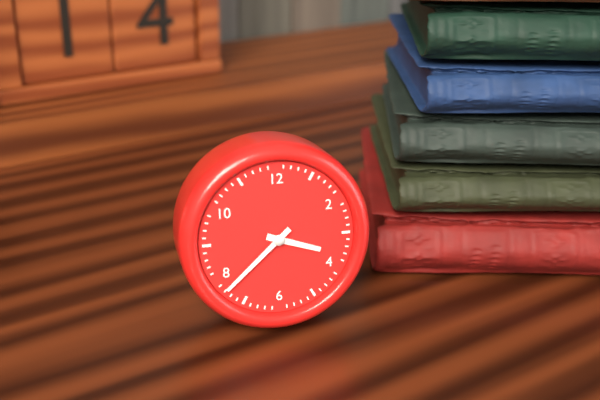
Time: 3h38
